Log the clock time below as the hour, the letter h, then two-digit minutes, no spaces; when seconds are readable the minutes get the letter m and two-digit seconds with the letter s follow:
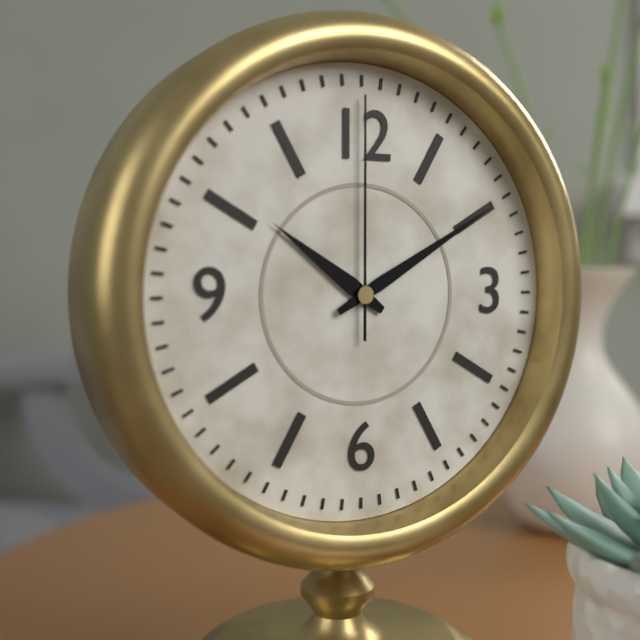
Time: 10h10m00s
